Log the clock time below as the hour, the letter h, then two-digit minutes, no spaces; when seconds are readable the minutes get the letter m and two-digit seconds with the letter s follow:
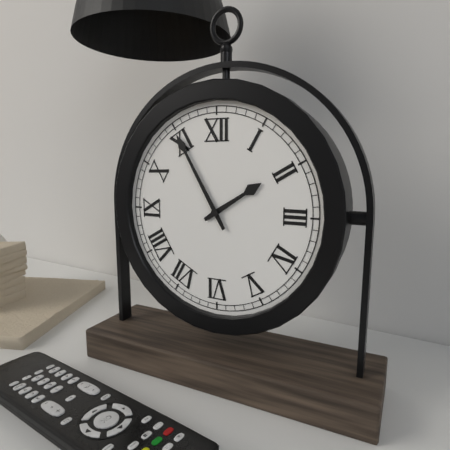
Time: 1h55
